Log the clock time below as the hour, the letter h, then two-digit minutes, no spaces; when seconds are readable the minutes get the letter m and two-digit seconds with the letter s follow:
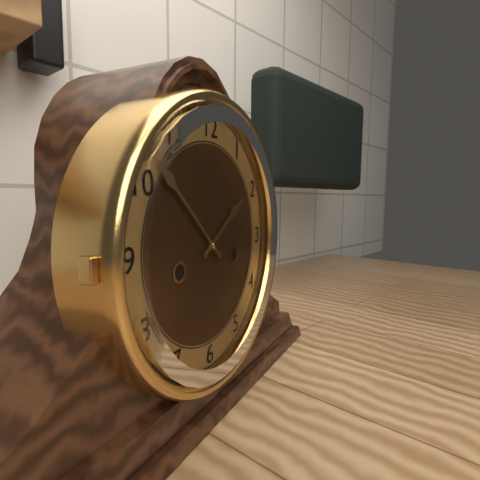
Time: 1h52
